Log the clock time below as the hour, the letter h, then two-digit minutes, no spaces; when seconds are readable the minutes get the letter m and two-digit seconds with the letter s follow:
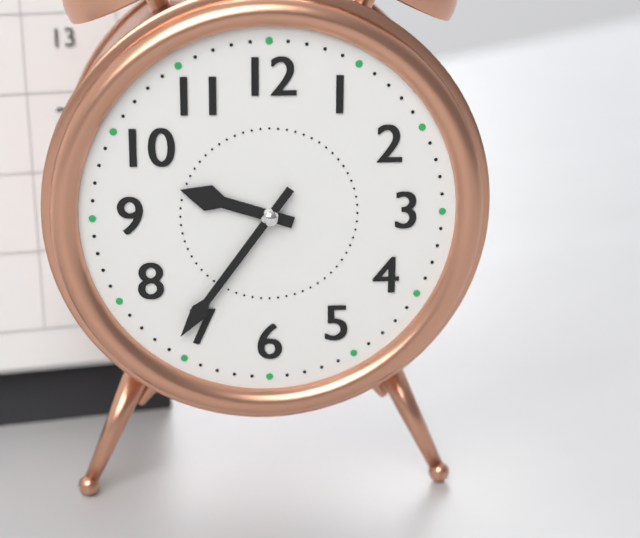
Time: 9h36
